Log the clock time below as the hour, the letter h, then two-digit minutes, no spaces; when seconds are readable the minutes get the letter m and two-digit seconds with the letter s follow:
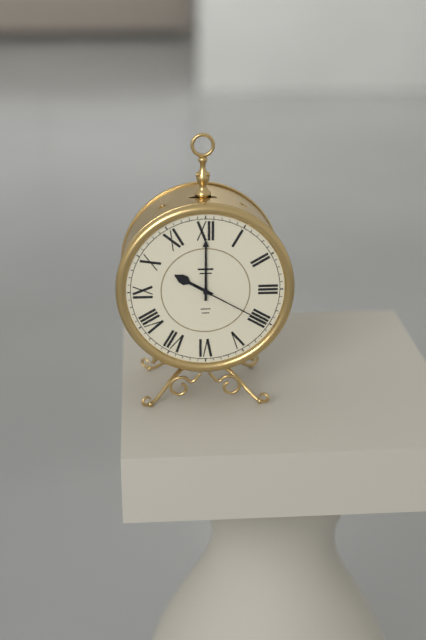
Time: 10h00m20s
